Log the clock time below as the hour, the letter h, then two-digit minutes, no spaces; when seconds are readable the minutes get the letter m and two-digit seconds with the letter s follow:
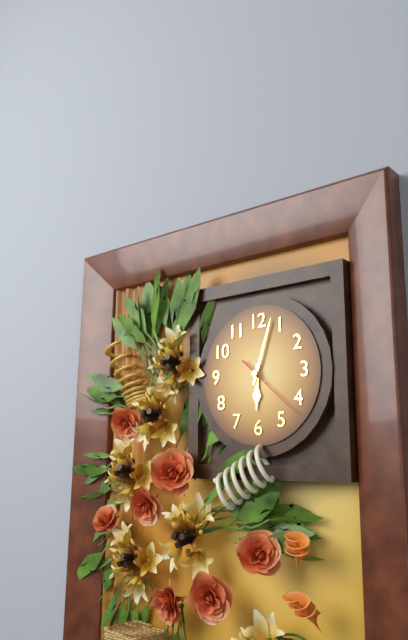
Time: 6h03m22s
